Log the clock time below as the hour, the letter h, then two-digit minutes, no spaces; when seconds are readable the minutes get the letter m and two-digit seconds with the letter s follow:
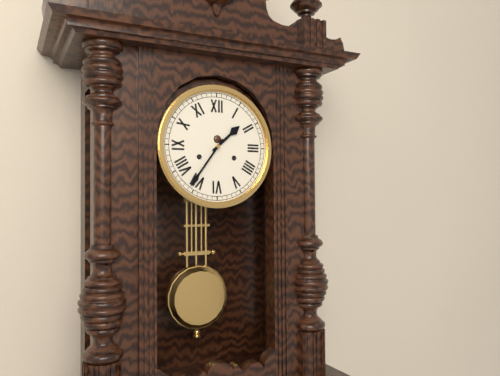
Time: 1h36
